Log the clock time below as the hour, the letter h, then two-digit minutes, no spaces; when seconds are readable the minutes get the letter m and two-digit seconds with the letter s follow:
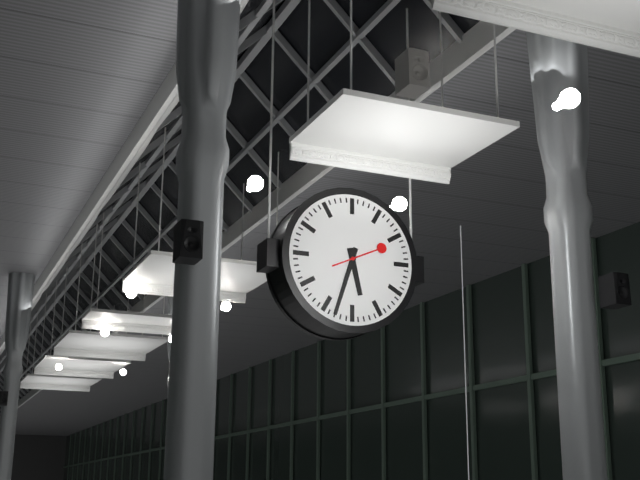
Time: 5h33
